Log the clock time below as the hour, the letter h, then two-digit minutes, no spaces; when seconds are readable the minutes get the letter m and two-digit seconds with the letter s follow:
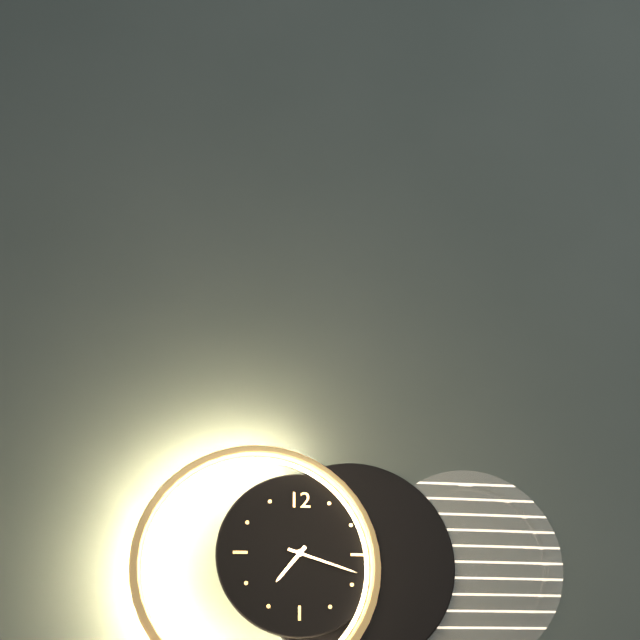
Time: 7h18
